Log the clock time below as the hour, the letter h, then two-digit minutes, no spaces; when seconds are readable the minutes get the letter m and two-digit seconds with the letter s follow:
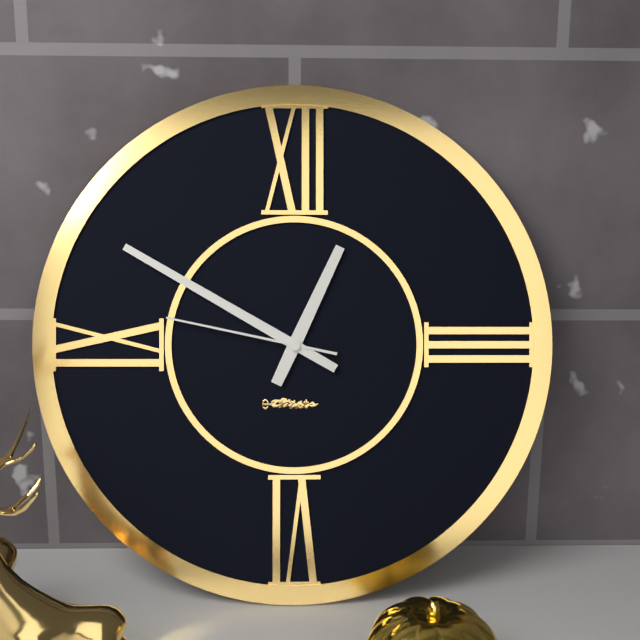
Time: 12h50m47s
